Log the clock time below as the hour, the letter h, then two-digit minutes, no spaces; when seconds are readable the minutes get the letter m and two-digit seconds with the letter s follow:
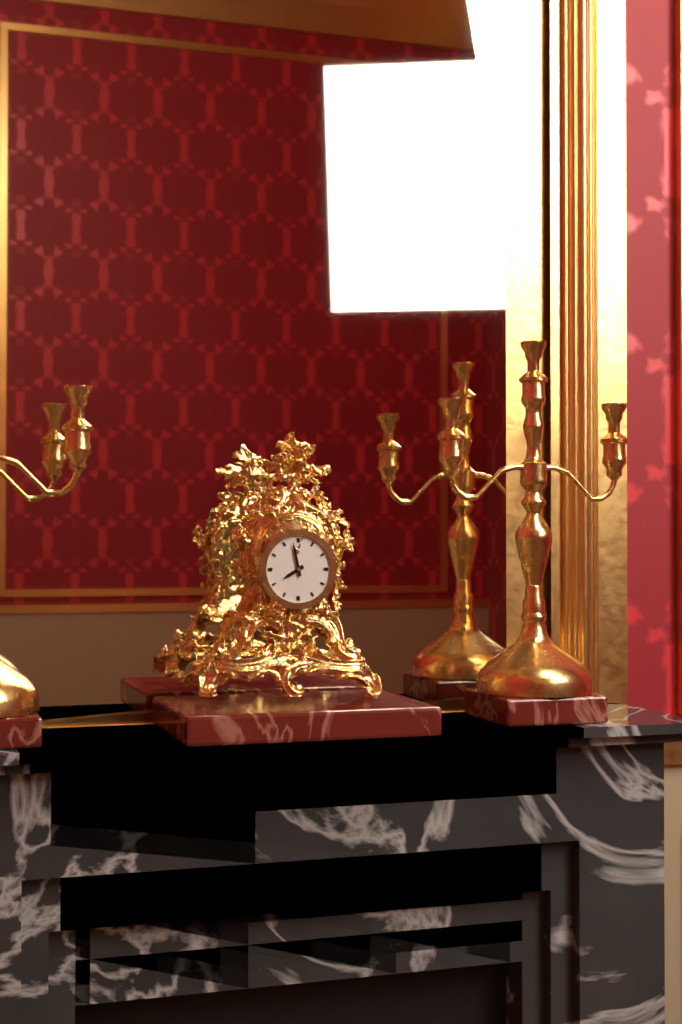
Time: 7h58
